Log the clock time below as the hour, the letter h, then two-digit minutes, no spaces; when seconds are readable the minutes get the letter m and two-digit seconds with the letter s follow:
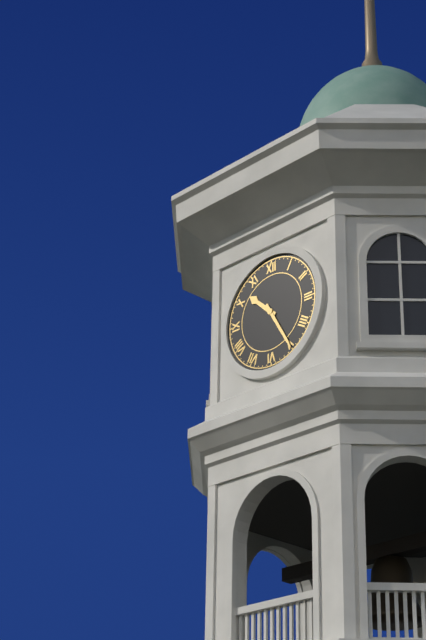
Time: 10h25
